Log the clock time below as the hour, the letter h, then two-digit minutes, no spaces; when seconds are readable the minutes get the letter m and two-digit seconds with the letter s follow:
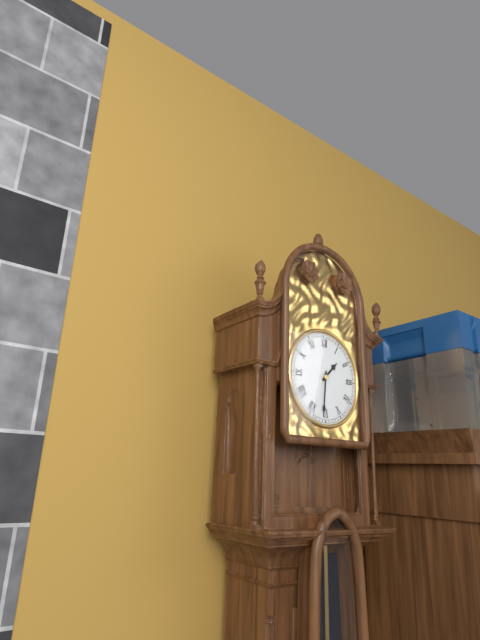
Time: 1h31
